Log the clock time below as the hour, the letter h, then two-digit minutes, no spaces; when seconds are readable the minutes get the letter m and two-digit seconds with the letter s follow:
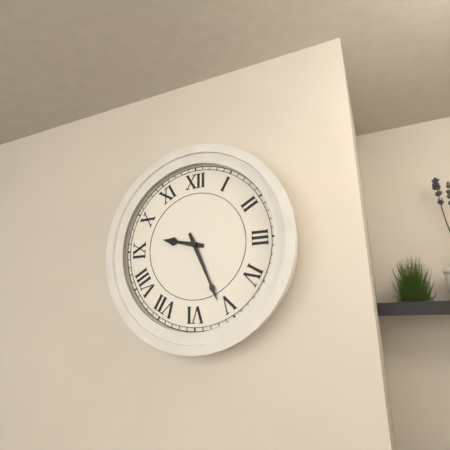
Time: 9h26
